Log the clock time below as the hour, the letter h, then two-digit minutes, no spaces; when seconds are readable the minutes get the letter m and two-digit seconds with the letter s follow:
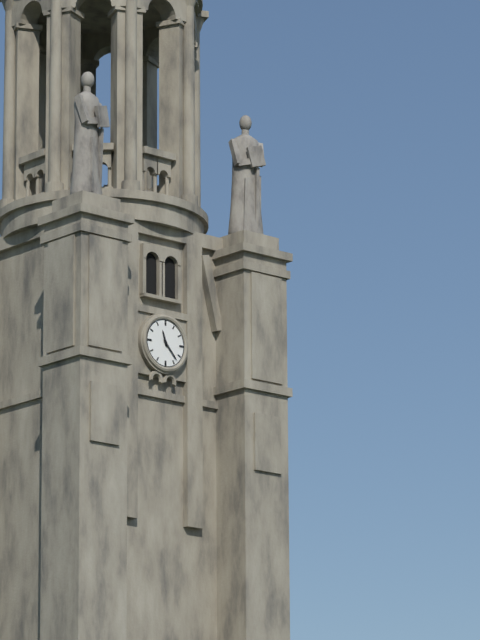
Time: 11h23
